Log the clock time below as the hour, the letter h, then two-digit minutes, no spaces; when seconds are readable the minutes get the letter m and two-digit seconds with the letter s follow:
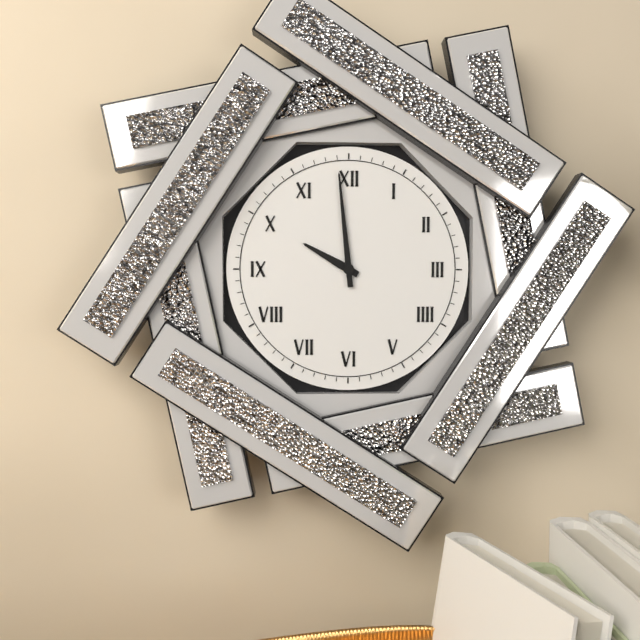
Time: 9h59
